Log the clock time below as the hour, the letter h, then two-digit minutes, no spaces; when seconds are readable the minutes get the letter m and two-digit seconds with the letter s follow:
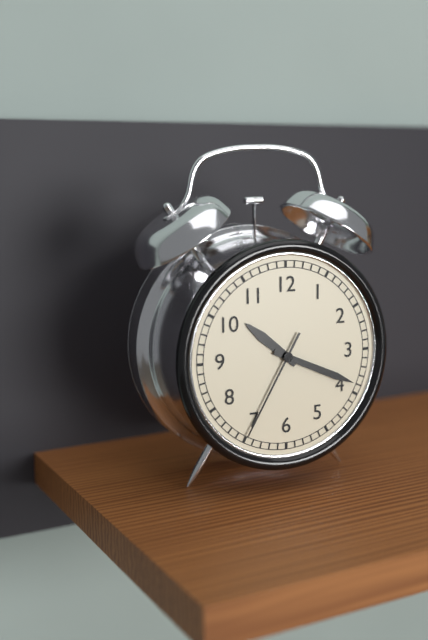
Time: 10h19m35s
